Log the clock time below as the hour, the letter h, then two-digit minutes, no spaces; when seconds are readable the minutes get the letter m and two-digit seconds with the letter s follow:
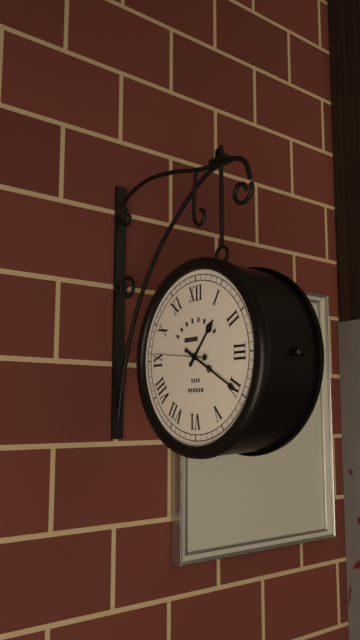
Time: 1h20m46s
